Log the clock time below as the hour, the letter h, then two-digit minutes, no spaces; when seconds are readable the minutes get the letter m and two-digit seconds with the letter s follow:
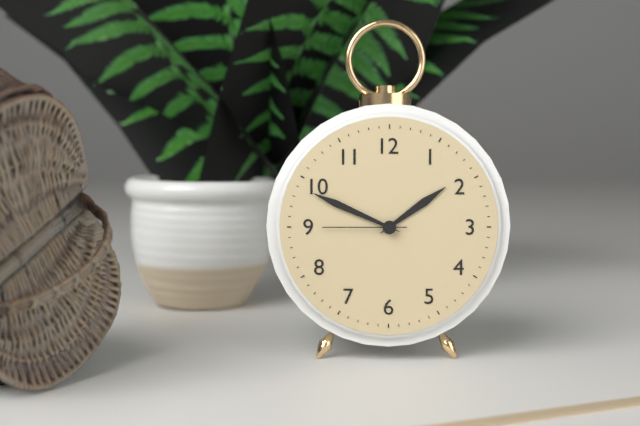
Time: 1h49m45s
